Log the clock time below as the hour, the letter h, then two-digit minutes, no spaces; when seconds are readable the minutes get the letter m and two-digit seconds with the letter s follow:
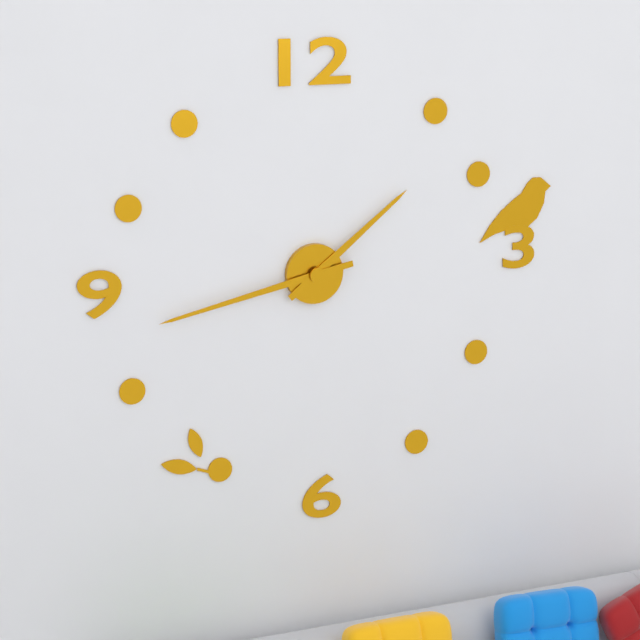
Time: 1h43
